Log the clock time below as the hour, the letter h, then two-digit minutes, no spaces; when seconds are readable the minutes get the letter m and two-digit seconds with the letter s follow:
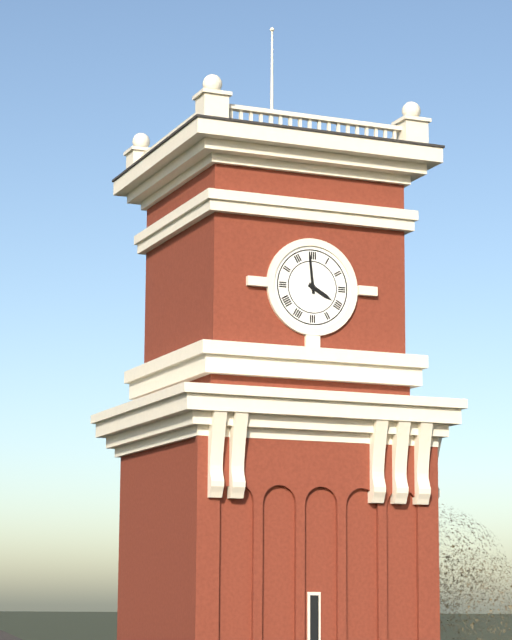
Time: 3h59
